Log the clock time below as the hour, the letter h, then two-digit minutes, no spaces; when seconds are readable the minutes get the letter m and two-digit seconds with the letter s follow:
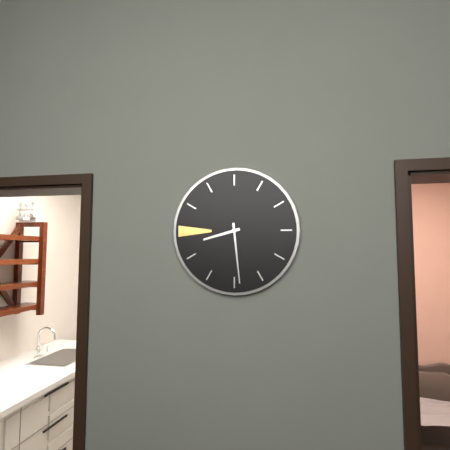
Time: 8h29
